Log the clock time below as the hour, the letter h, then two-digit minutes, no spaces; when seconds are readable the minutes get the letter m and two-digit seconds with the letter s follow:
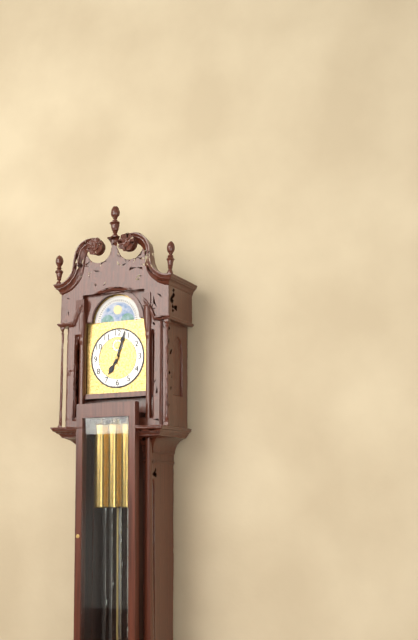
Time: 7h03
